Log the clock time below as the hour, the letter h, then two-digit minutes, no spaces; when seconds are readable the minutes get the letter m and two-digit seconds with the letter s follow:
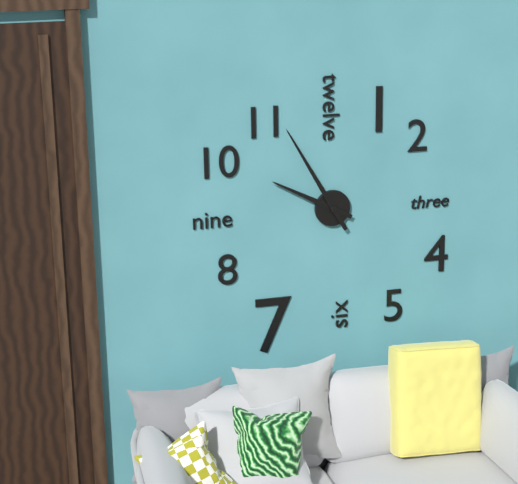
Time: 9h55
